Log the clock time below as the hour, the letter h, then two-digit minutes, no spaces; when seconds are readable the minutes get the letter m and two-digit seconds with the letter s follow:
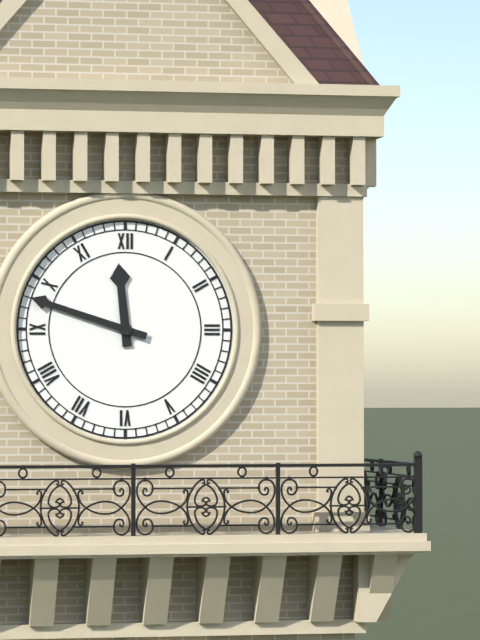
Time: 11h48
